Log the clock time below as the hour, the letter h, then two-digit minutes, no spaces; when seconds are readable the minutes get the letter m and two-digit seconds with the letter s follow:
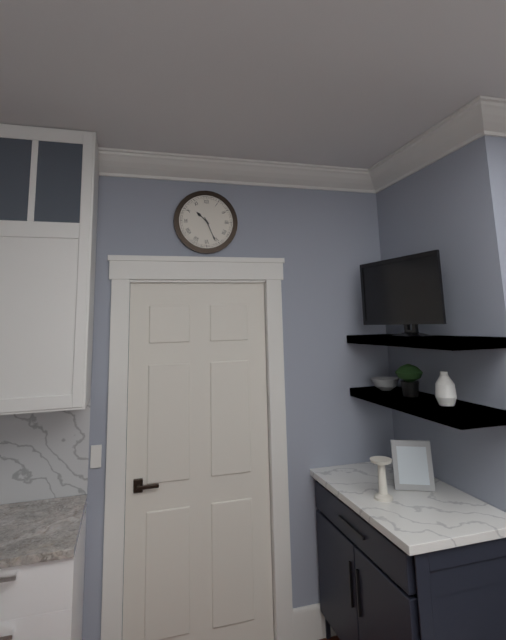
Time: 10h26
